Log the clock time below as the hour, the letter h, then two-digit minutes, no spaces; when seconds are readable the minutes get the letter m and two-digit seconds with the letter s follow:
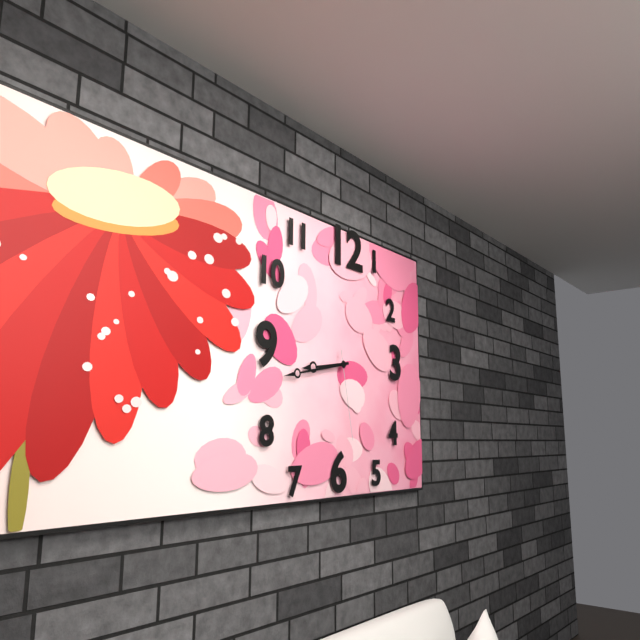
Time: 8h43m28s
